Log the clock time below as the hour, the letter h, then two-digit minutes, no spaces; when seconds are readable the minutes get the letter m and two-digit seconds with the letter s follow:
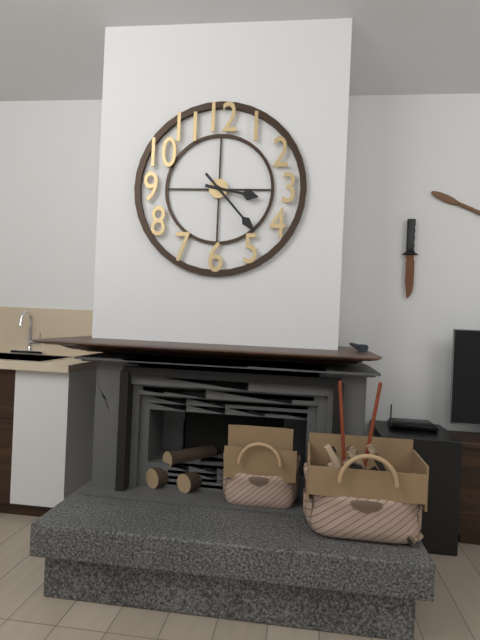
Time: 3h23
